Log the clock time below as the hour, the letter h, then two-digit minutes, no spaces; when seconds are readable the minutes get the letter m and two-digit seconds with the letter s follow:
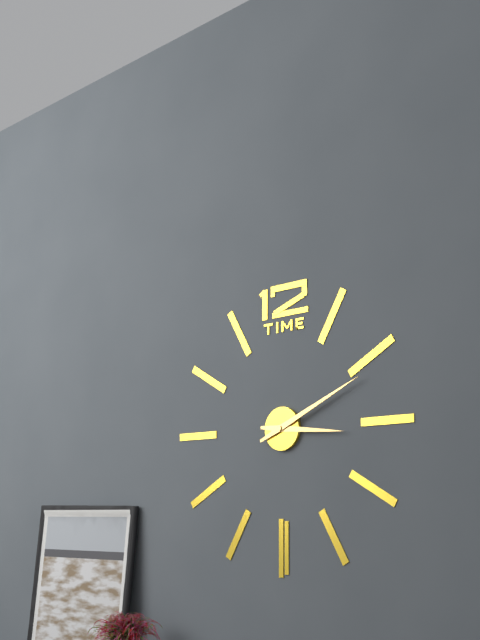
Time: 3h11
